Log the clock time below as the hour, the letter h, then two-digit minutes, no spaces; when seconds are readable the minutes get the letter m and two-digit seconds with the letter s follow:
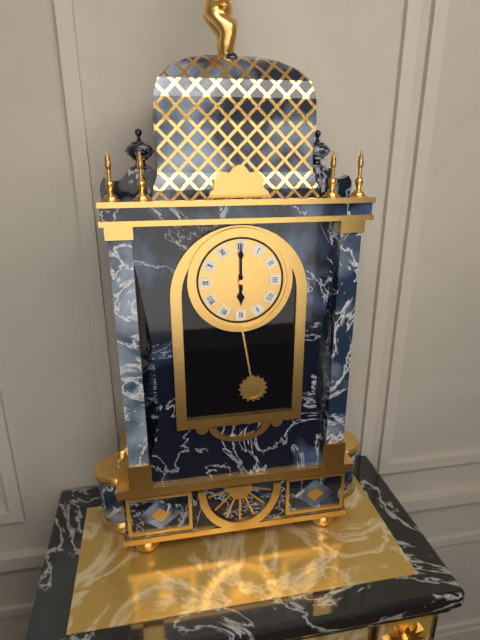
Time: 6h00
